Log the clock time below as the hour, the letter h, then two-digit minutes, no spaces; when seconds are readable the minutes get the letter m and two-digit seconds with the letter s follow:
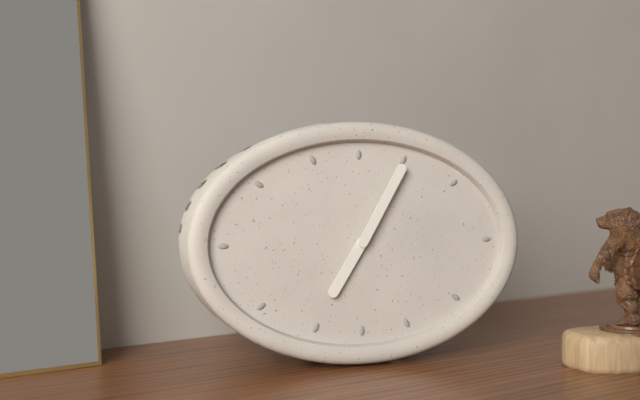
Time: 7h05
